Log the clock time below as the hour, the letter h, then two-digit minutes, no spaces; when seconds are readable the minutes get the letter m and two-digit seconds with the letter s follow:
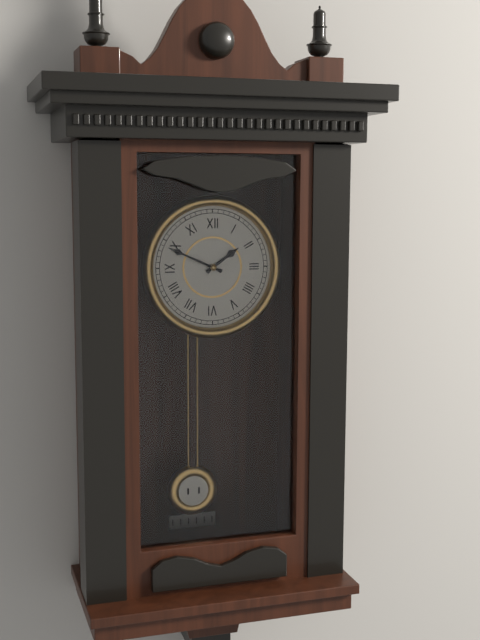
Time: 1h49
